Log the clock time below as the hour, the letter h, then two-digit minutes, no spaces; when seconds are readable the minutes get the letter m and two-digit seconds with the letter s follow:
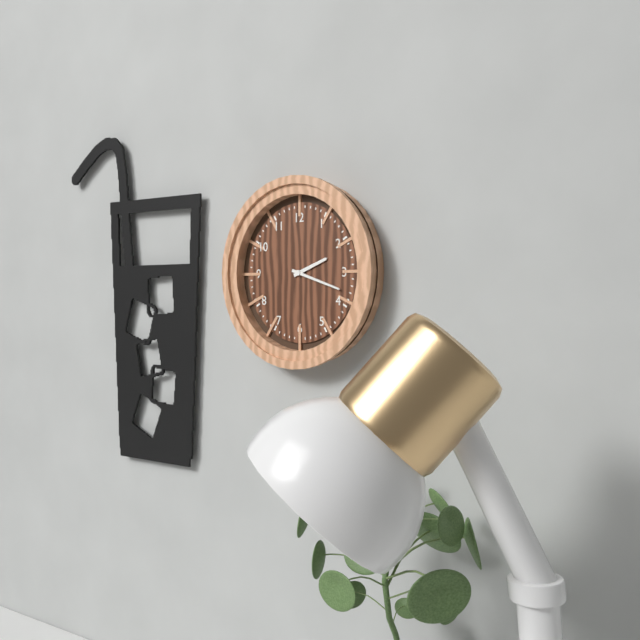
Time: 2h18
